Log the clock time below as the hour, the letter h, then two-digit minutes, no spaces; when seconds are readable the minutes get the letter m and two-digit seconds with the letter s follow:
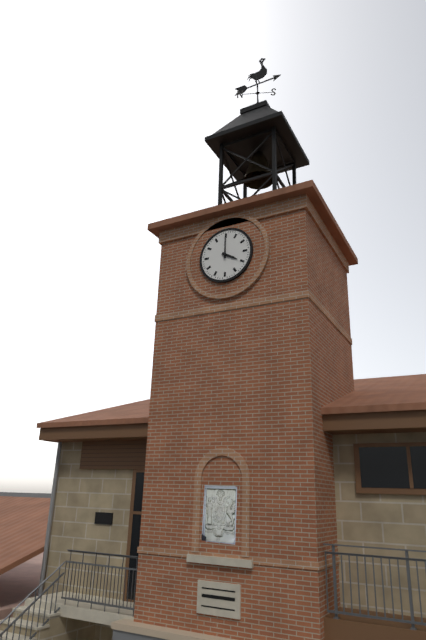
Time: 4h00
